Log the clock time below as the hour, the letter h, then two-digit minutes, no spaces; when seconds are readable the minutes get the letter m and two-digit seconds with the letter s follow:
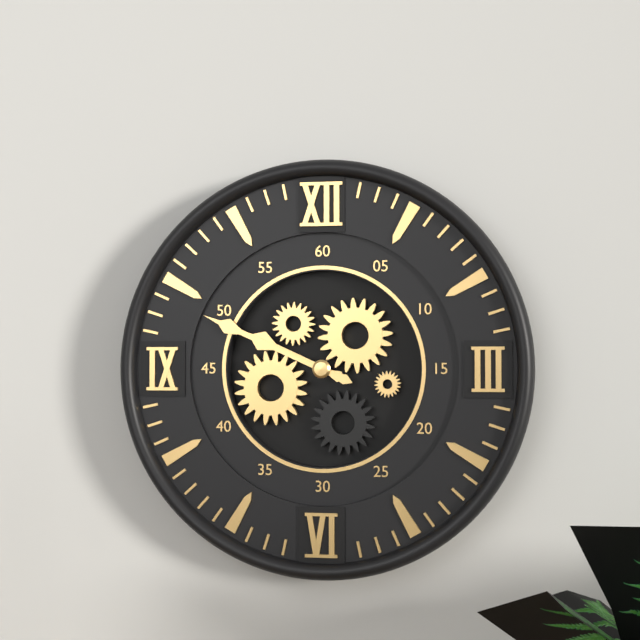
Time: 9h49
